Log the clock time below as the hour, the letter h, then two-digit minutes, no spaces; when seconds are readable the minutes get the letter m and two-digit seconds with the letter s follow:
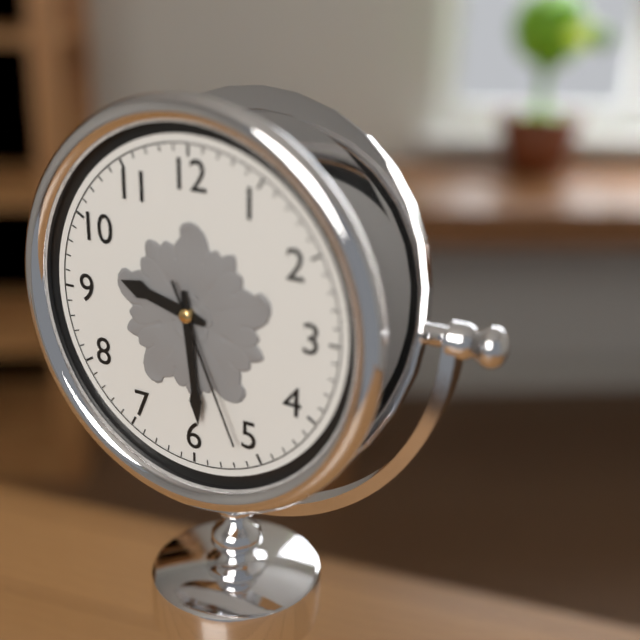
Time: 9h29m26s
